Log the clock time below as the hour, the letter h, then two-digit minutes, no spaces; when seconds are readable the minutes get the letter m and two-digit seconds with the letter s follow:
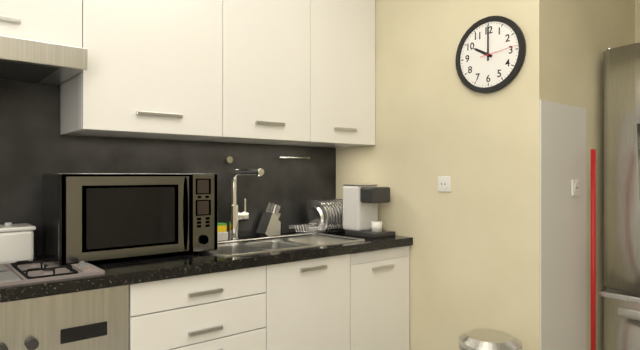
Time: 10h00
